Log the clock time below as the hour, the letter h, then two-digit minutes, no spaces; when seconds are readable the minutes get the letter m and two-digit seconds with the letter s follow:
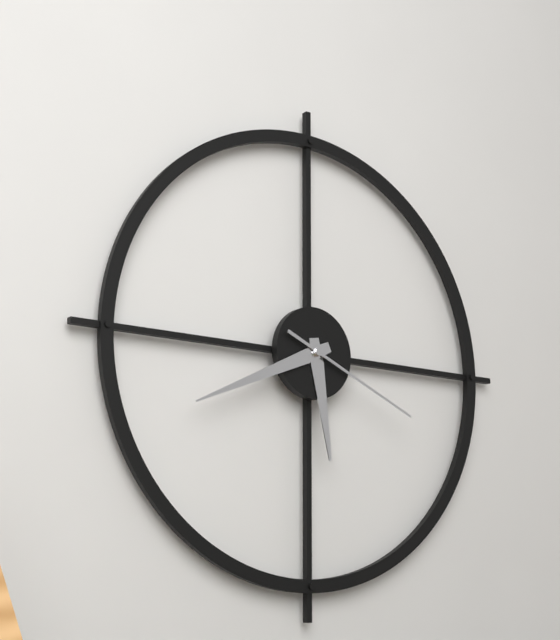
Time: 5h41m19s
